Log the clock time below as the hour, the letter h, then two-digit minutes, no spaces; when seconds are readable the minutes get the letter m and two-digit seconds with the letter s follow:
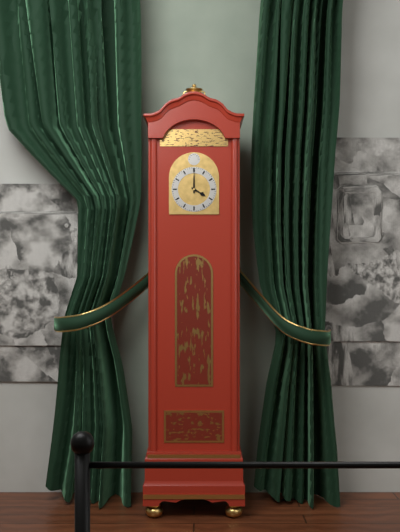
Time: 4h00
